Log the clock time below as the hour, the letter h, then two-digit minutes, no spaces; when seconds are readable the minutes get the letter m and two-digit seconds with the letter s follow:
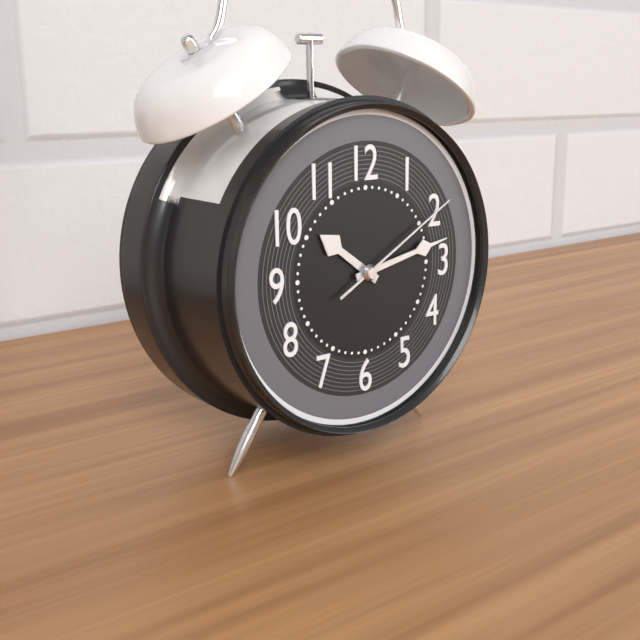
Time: 10h13m10s
